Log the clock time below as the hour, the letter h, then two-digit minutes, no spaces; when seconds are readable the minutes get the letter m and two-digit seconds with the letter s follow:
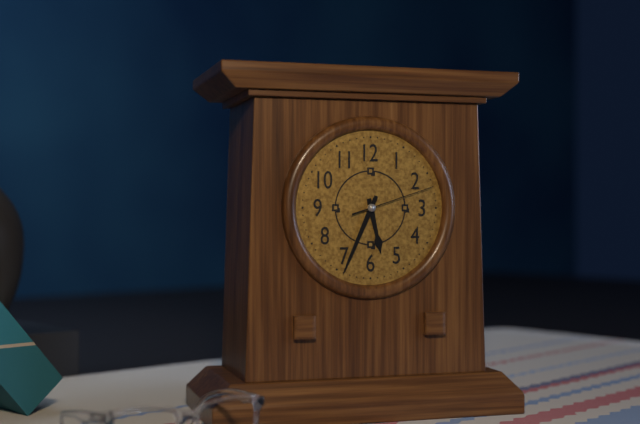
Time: 5h34m12s
